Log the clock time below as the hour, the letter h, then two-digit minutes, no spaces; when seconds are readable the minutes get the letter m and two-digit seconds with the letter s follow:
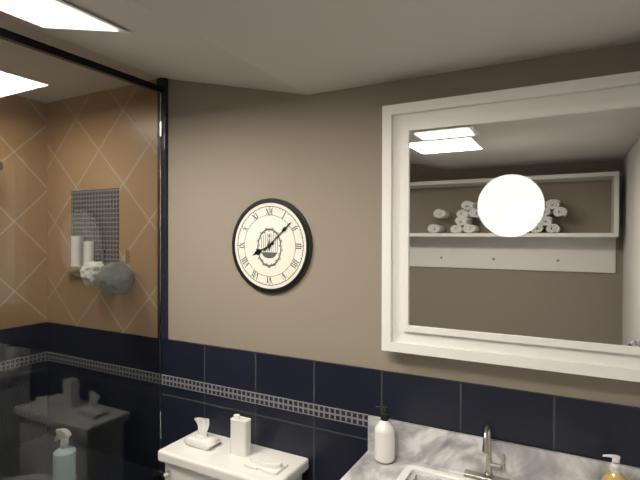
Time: 8h08
